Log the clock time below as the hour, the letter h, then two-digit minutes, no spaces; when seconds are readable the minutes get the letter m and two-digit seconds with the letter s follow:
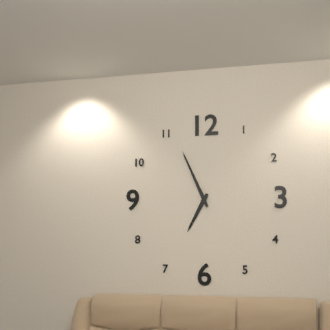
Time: 6h56
